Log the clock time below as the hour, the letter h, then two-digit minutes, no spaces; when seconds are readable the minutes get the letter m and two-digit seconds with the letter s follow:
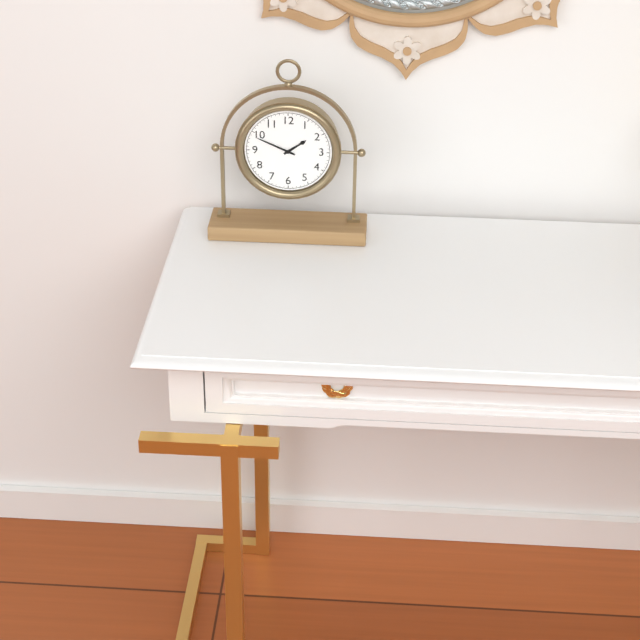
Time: 1h49
